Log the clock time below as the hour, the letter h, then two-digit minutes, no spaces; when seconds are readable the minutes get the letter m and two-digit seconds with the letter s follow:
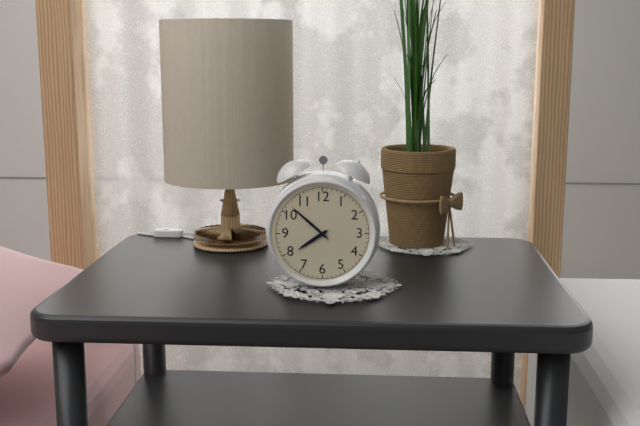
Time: 7h52
